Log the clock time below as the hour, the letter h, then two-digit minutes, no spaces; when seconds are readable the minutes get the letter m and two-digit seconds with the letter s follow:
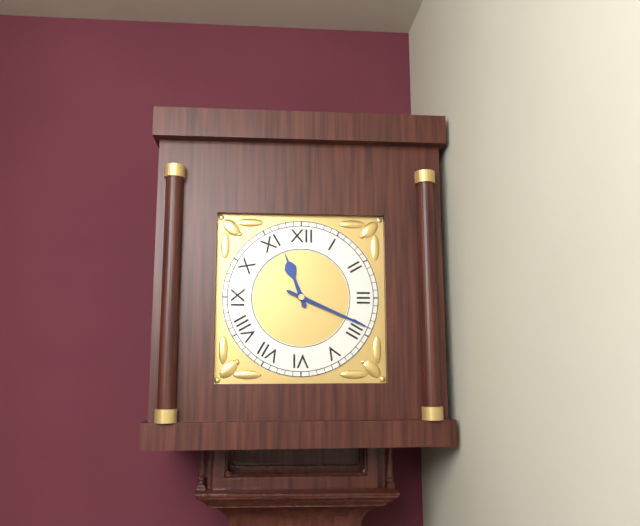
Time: 11h19
